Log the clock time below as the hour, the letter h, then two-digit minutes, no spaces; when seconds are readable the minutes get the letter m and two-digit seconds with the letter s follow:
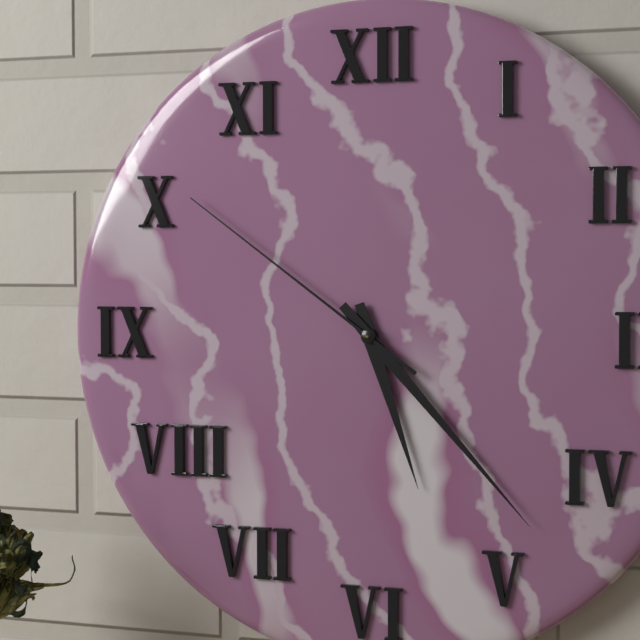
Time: 5h23m51s
